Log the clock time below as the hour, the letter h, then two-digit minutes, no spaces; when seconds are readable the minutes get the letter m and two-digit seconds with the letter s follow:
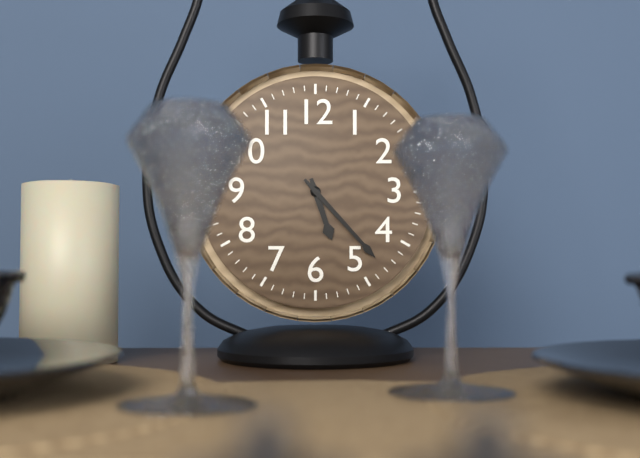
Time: 5h23
